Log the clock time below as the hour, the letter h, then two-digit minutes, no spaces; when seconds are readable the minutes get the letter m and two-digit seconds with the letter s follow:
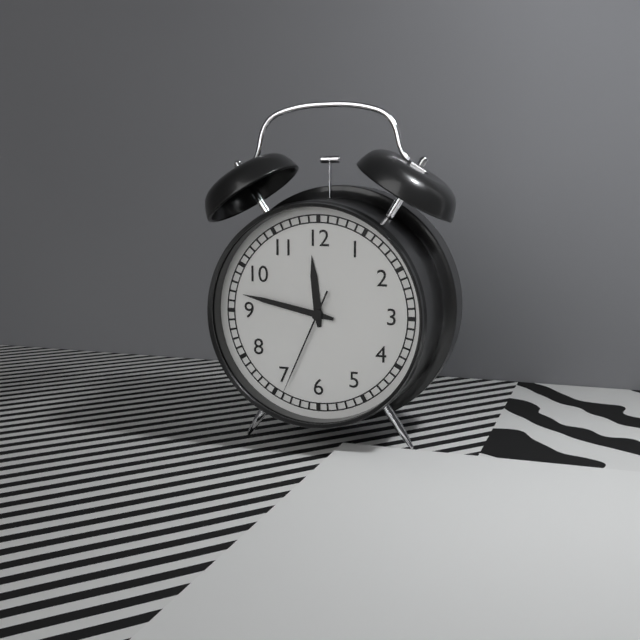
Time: 11h47m34s
